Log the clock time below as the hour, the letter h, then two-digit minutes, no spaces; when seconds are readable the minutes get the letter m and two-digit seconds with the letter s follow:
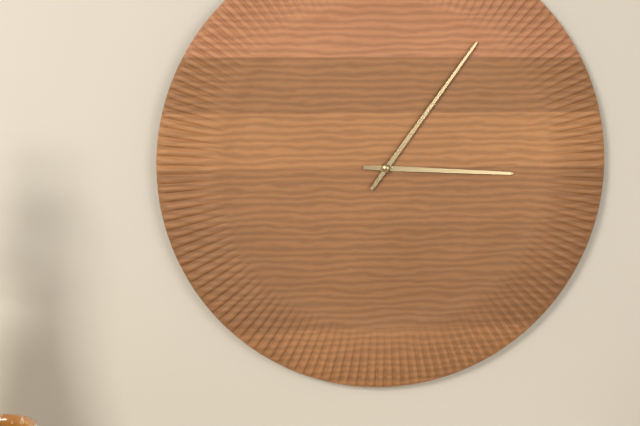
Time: 3h06
